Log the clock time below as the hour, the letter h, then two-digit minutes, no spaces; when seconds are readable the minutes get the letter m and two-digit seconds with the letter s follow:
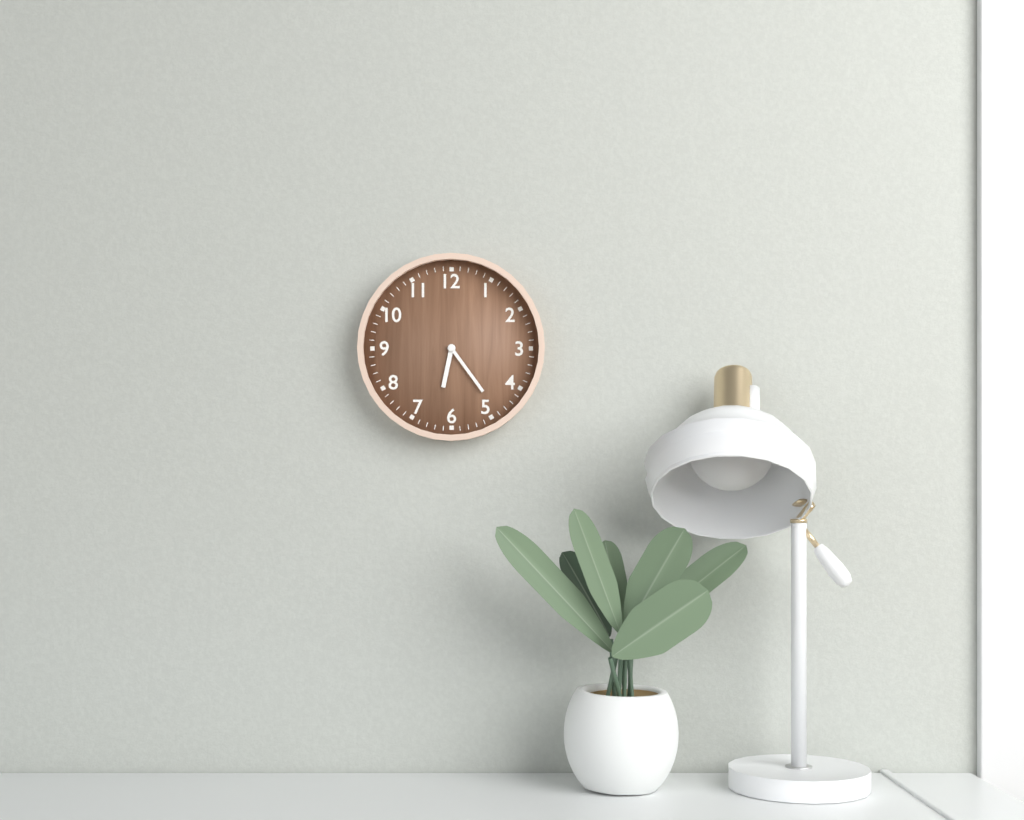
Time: 6h24
